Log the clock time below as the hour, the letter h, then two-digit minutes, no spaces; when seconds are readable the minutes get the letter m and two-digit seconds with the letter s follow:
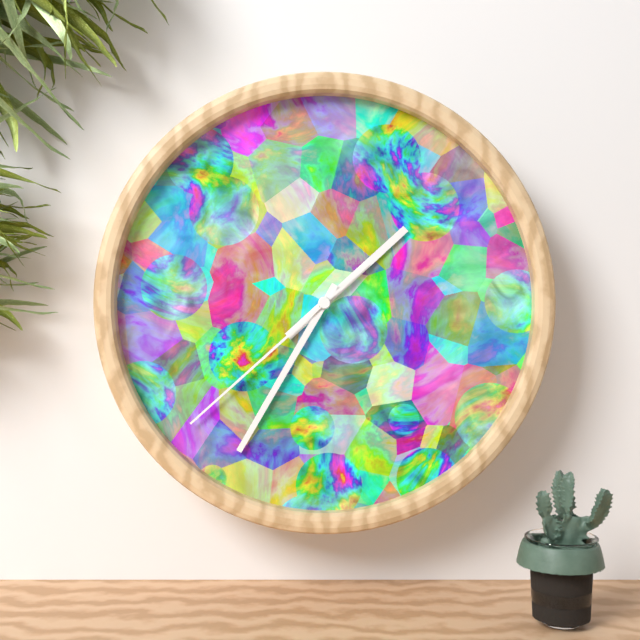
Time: 1h35m38s
